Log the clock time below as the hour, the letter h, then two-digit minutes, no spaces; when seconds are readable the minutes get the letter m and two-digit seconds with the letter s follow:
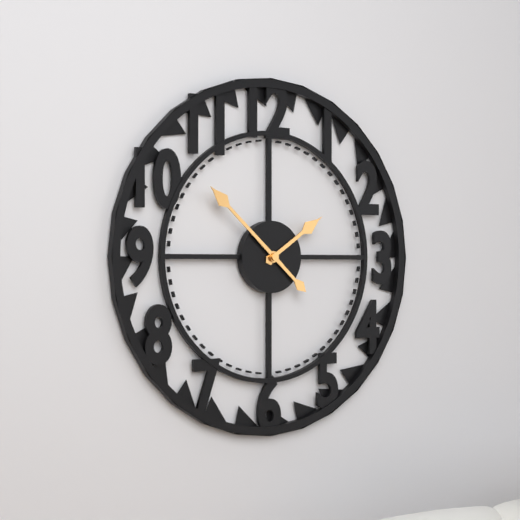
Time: 1h52
